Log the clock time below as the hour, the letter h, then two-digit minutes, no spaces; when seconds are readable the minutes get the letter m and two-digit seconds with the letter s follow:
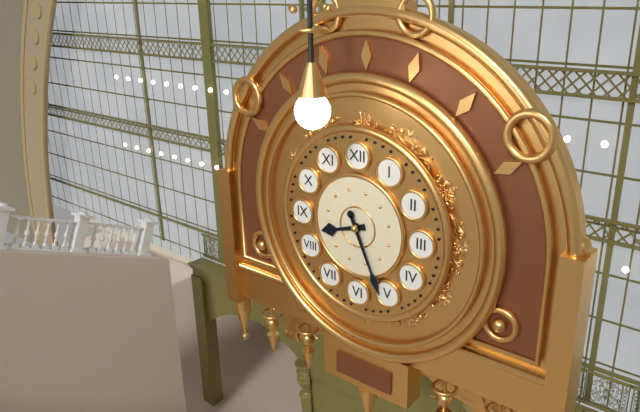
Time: 8h26
